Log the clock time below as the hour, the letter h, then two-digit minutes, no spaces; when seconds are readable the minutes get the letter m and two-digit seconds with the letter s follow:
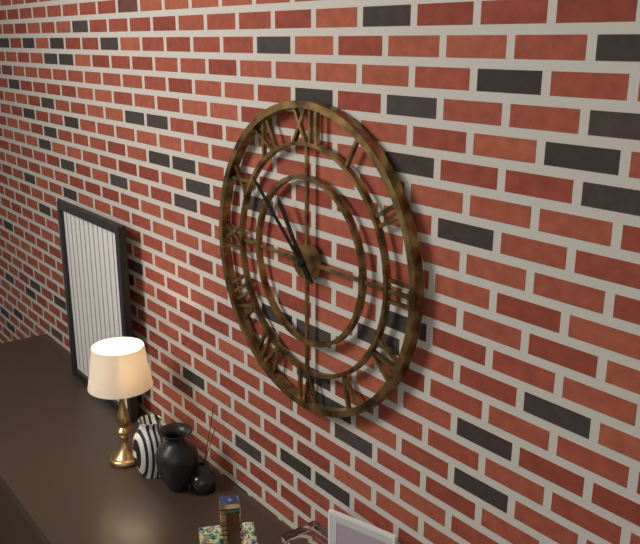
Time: 10h52
